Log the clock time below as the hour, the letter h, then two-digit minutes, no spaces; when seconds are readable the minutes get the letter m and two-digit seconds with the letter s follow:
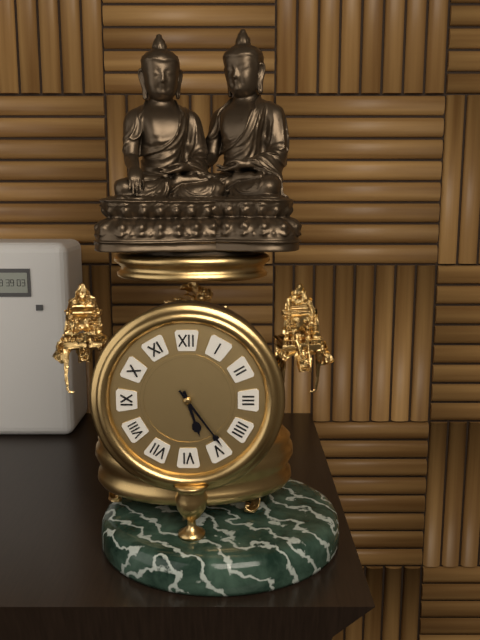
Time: 5h24
